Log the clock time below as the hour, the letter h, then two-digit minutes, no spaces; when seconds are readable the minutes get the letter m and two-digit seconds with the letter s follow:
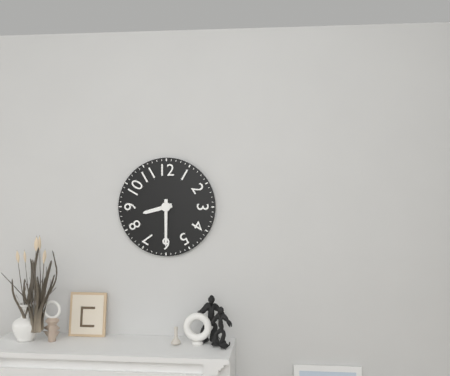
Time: 8h30
